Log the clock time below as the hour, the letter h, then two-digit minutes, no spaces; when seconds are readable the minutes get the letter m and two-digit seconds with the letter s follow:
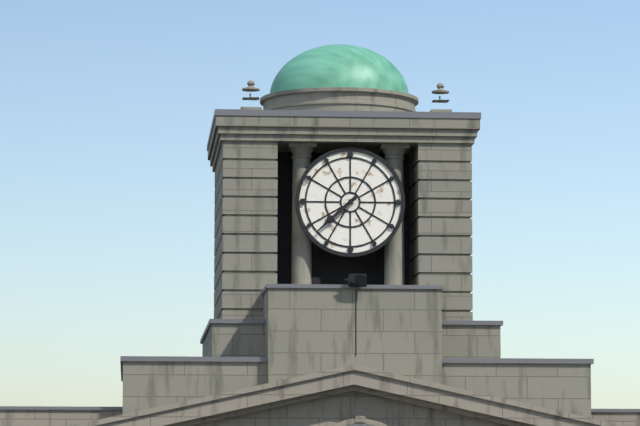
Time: 7h38
